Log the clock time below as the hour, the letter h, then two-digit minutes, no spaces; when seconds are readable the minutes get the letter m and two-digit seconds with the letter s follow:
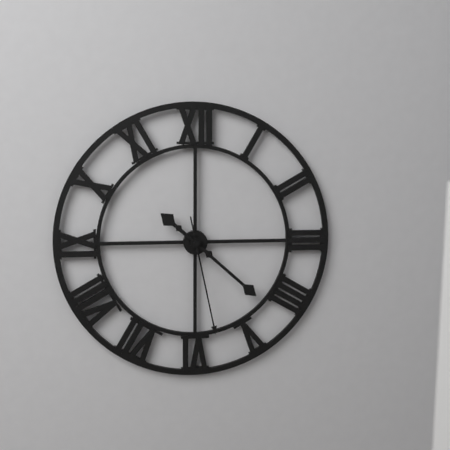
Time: 10h22m28s
